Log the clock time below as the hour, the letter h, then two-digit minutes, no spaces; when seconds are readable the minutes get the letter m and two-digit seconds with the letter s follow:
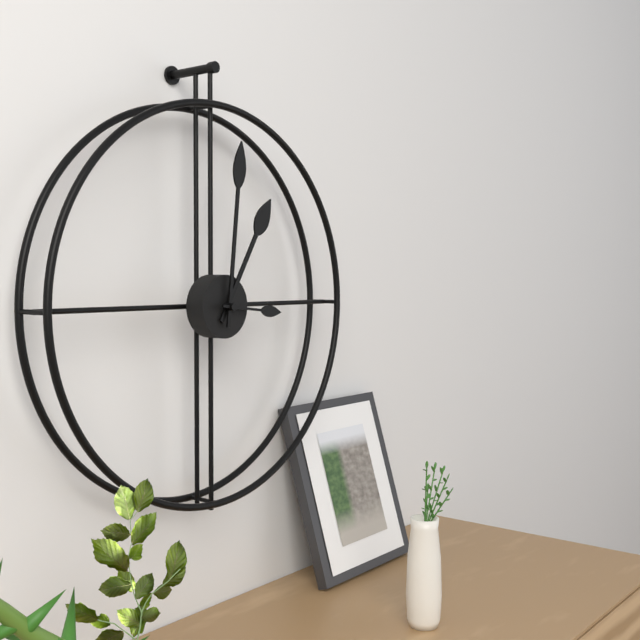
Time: 1h01m16s
